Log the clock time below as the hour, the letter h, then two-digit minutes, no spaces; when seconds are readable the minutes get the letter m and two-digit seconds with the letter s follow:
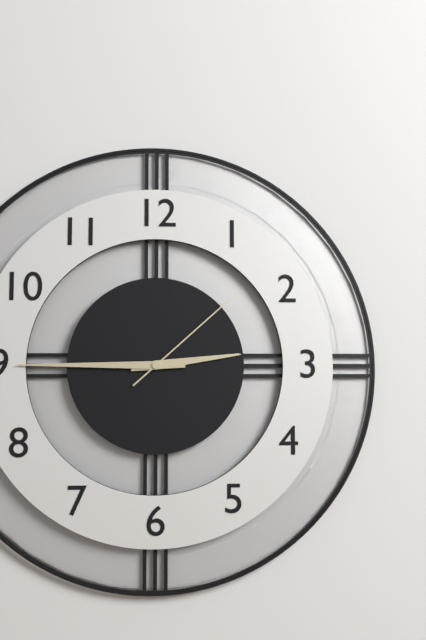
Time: 2h45m08s
